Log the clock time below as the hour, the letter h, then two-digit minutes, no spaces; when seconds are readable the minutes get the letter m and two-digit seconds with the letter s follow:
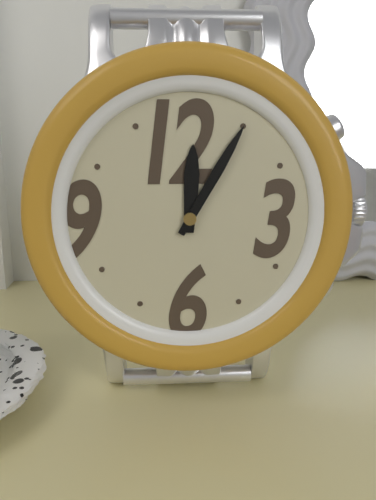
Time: 12h05
